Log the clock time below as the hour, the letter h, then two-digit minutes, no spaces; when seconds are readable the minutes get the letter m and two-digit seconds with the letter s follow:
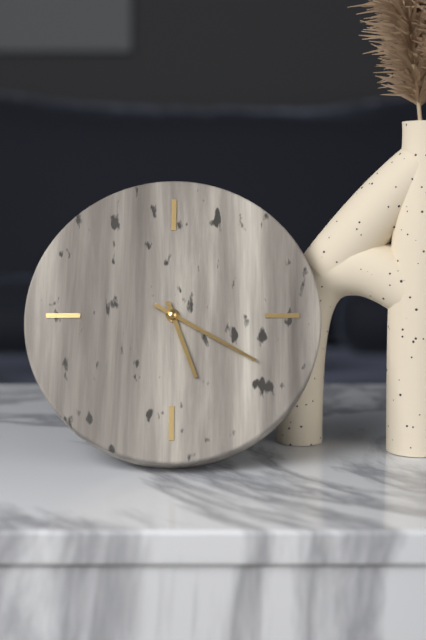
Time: 5h20
